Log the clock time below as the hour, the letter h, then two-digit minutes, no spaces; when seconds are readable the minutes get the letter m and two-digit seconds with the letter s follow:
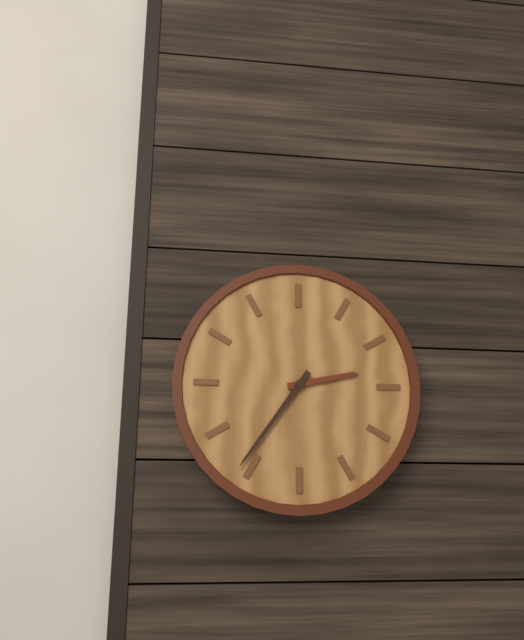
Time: 2h36
